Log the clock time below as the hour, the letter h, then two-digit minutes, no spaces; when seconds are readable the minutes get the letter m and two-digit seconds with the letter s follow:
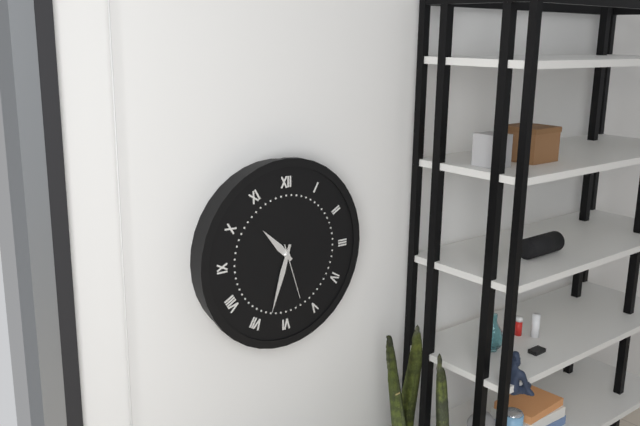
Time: 10h33m27s
